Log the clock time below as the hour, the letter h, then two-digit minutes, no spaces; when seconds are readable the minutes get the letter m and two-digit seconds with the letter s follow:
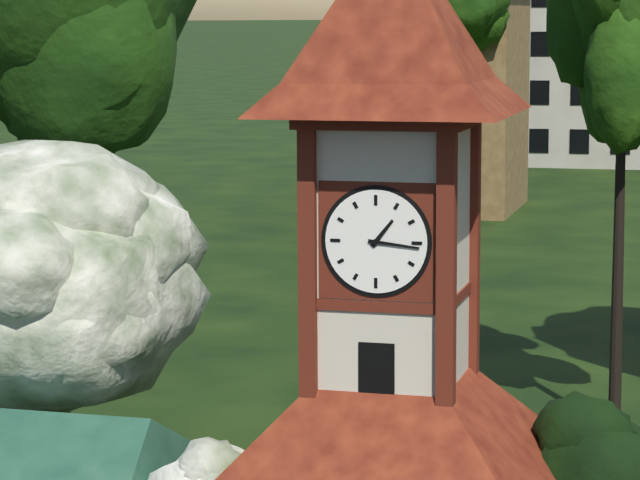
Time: 1h16
